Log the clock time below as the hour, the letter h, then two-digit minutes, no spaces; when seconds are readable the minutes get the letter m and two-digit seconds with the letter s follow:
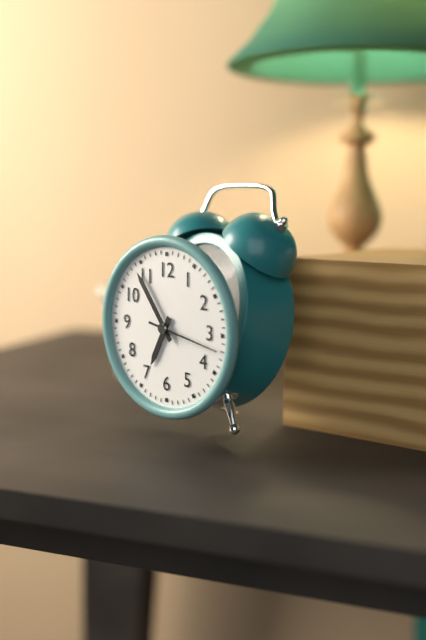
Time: 6h54m17s
